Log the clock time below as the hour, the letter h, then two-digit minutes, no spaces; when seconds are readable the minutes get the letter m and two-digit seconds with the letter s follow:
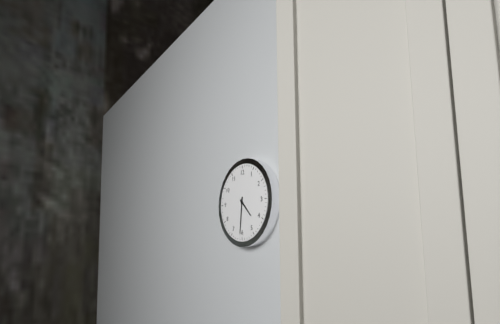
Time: 4h31
